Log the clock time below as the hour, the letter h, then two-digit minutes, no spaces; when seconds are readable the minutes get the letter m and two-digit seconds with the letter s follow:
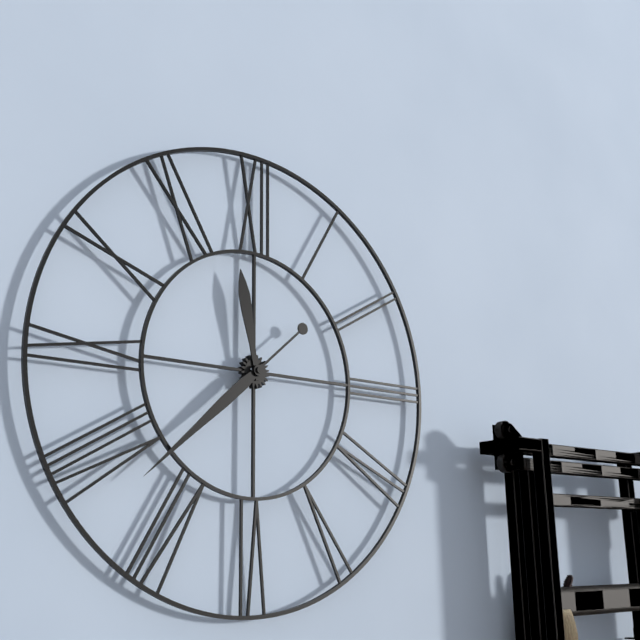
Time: 11h38
